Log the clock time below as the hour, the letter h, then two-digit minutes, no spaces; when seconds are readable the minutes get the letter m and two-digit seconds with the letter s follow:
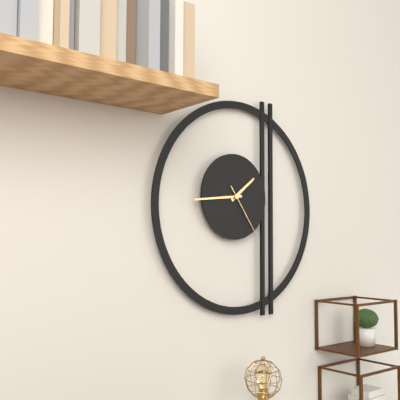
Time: 1h44m24s
